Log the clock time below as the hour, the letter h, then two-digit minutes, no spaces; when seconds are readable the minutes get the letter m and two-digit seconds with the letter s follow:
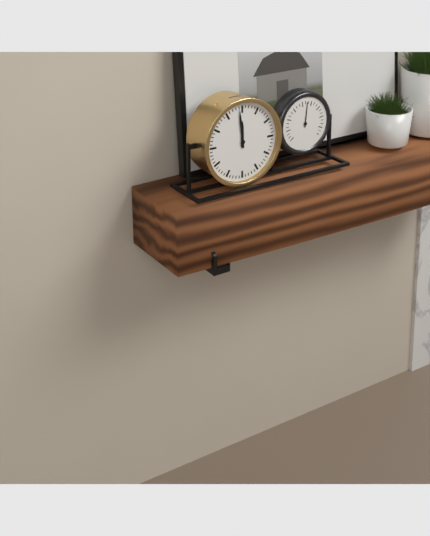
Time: 11h59
